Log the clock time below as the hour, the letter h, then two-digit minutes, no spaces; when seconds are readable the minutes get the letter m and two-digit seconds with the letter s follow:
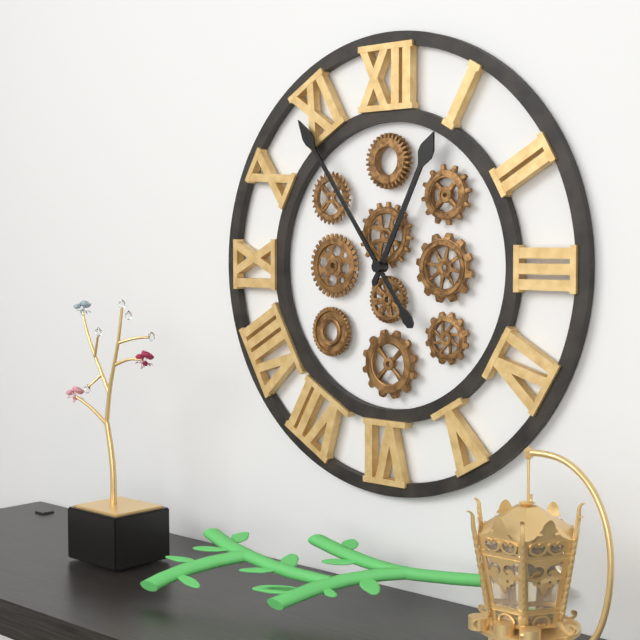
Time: 12h54
